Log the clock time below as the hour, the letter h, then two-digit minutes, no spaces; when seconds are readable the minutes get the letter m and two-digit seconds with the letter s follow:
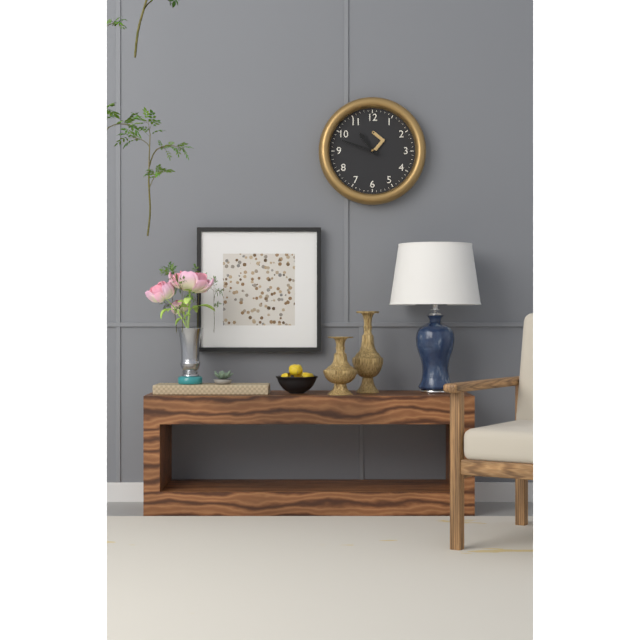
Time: 10h48
